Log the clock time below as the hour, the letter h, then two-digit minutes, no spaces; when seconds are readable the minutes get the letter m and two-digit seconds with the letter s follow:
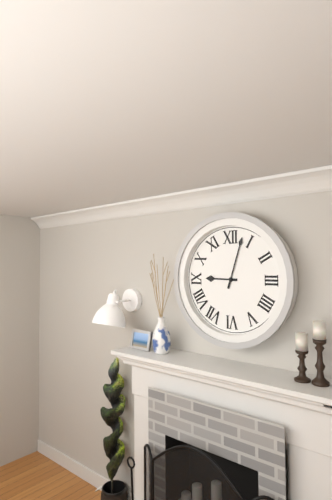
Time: 9h03
